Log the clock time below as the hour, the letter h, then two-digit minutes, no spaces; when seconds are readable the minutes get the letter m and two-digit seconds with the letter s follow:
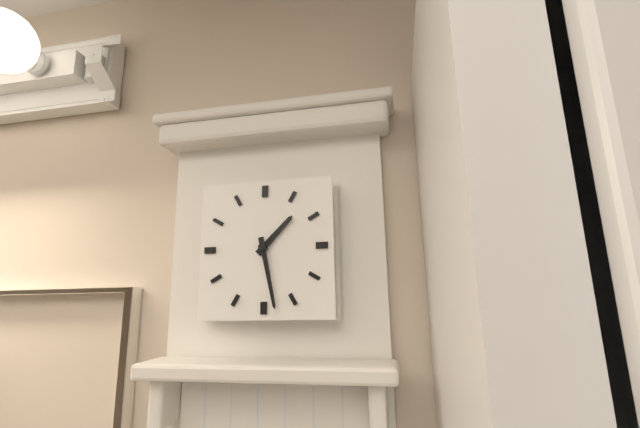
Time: 1h28
